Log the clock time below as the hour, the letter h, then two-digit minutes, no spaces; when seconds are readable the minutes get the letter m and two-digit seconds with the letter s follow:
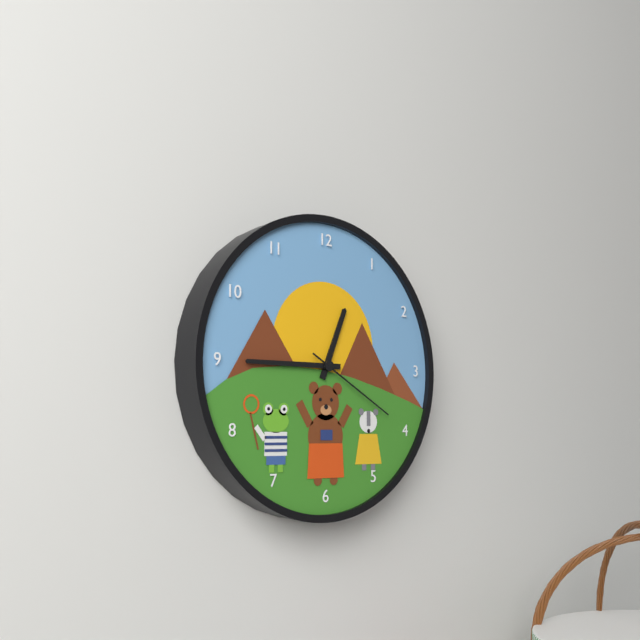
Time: 12h45m20s
